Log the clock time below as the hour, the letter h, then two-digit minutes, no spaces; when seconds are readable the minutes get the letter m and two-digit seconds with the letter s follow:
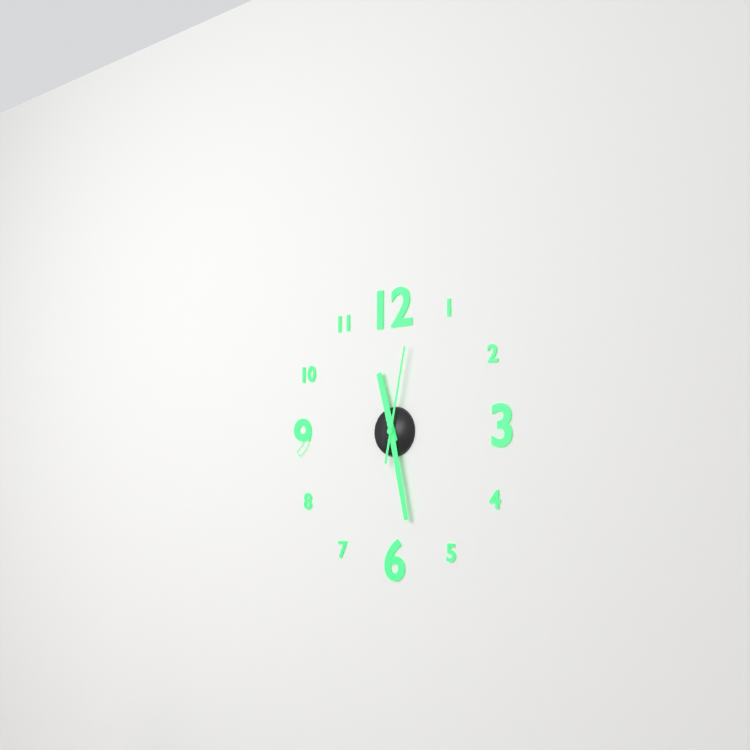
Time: 11h28m02s
